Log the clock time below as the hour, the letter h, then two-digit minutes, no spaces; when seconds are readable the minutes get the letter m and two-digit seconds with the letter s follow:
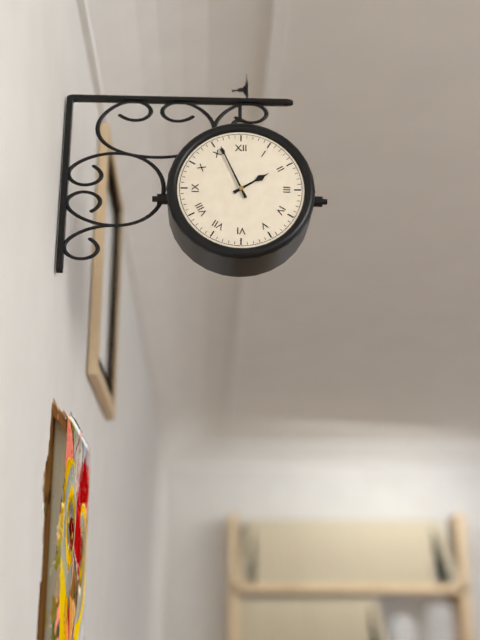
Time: 1h56
